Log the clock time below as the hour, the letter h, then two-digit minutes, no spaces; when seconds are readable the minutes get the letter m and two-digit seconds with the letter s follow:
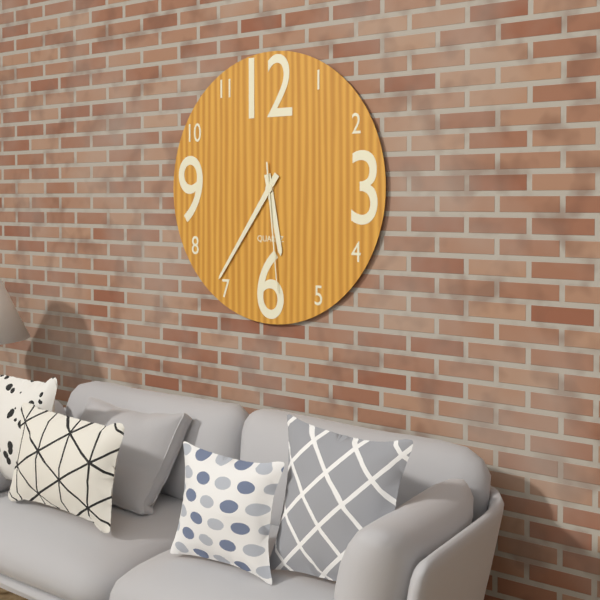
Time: 5h36m29s
